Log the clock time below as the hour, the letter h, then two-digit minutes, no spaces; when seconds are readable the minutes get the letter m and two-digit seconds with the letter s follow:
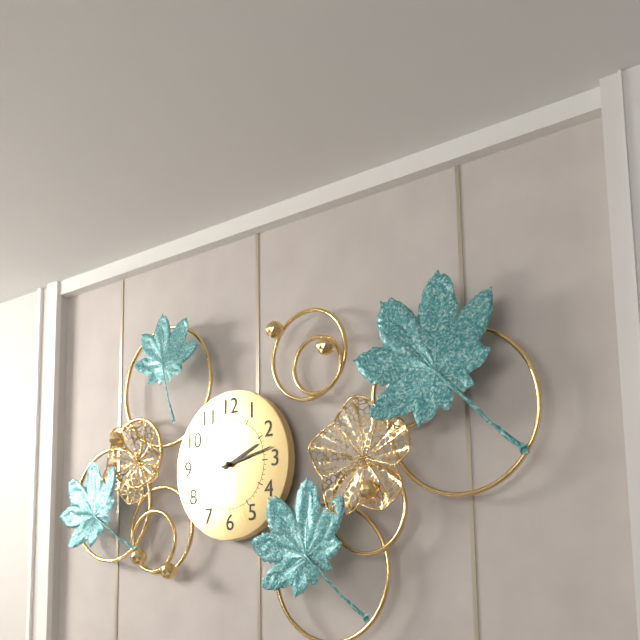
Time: 2h13m27s
